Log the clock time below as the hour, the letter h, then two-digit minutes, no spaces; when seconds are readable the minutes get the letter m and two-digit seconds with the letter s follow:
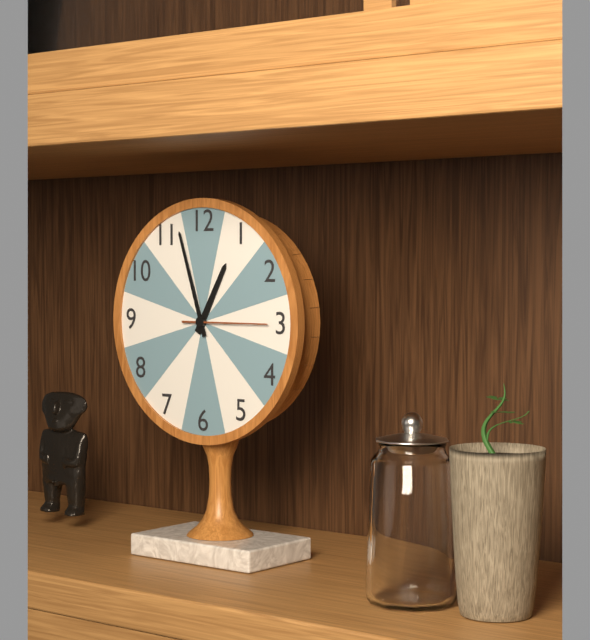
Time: 12h57m15s
